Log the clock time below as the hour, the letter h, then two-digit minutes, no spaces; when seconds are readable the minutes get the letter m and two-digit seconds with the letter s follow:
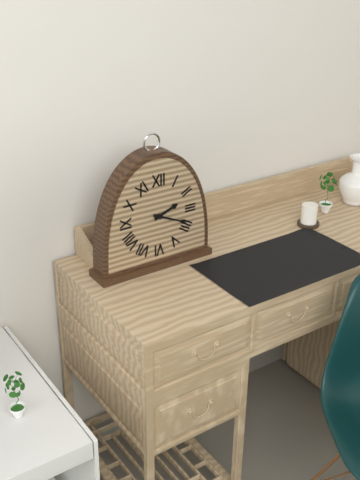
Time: 2h19
